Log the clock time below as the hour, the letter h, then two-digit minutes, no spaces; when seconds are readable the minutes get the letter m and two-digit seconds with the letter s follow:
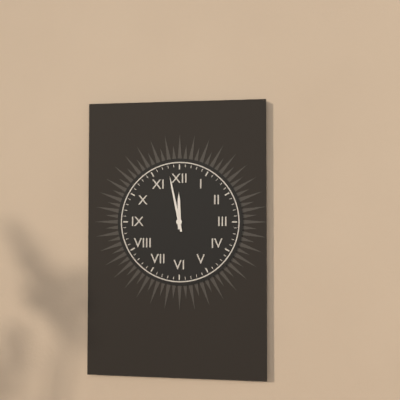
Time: 11h58
